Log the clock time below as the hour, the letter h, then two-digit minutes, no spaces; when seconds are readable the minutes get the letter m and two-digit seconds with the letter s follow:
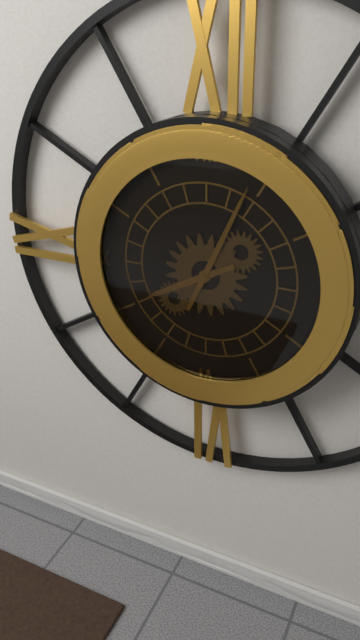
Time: 8h04
